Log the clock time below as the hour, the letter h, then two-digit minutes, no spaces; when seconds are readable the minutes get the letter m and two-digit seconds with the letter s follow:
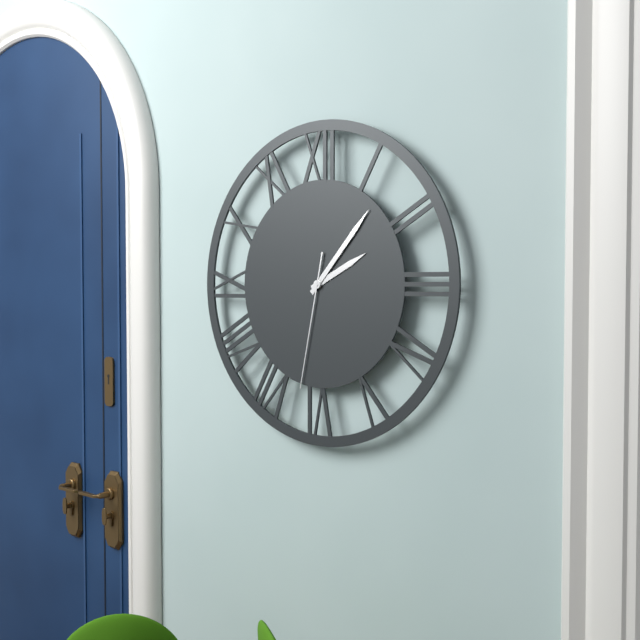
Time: 2h07m32s
